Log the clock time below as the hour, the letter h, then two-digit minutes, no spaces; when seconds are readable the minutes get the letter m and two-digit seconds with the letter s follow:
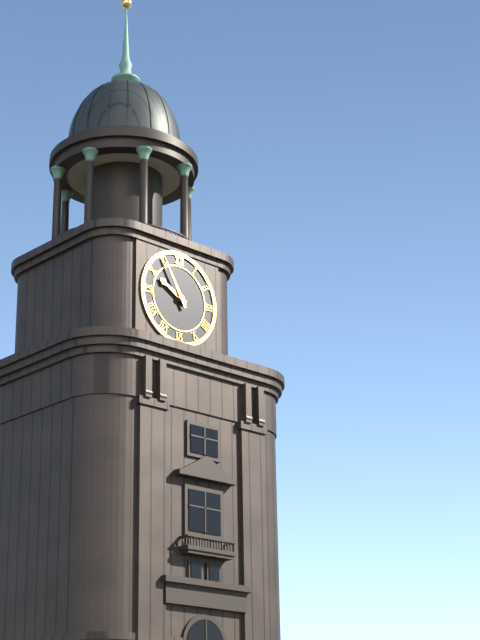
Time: 9h55
